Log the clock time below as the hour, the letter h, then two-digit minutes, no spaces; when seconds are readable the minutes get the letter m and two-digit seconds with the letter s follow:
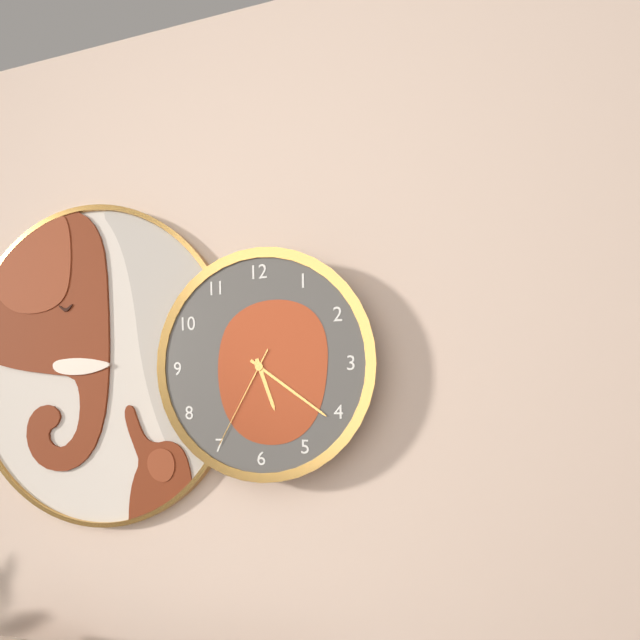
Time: 5h21m35s
